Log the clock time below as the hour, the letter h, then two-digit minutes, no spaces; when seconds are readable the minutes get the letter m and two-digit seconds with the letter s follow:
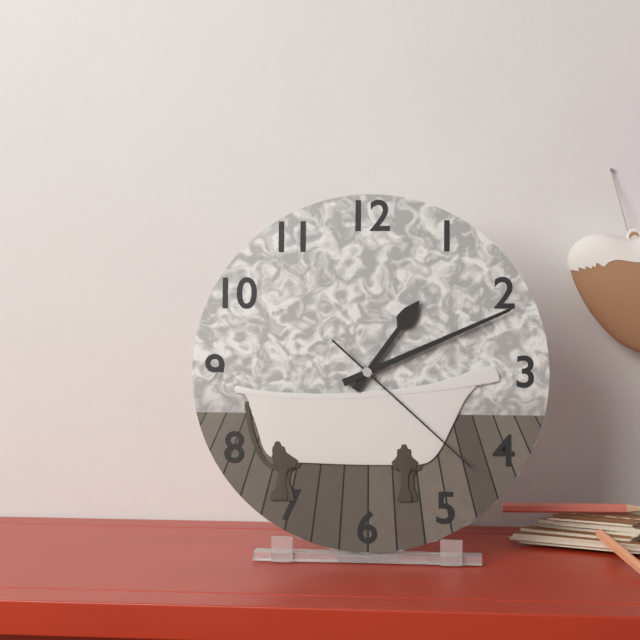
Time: 1h11m22s
